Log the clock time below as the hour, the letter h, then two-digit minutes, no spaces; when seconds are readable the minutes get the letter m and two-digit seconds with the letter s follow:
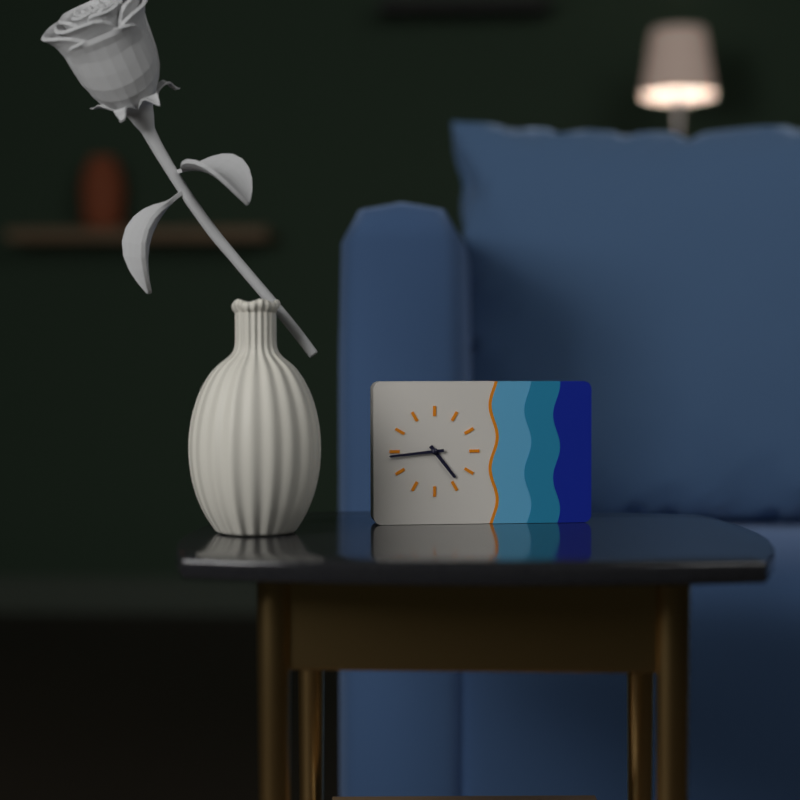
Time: 4h44
